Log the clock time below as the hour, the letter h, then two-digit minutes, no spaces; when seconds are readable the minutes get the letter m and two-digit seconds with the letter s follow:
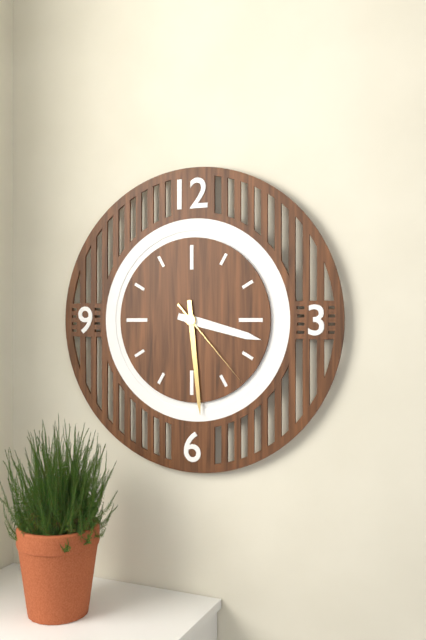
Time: 3h29m23s
